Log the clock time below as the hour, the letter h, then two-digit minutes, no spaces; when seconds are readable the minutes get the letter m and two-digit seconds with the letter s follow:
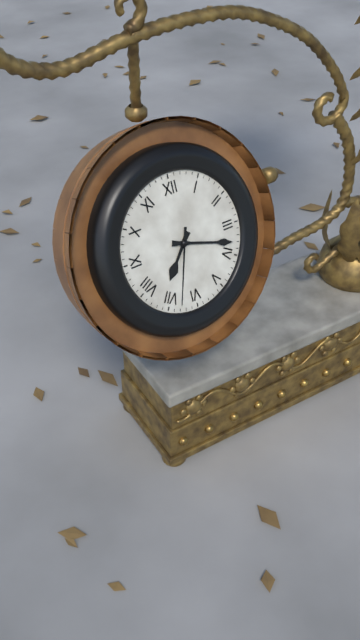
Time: 7h18m33s
